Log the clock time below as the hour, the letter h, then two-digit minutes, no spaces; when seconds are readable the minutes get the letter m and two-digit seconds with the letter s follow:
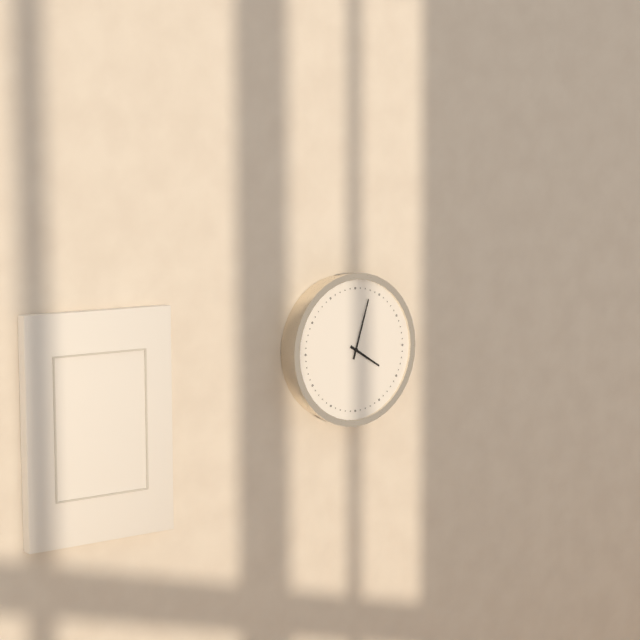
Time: 4h03
